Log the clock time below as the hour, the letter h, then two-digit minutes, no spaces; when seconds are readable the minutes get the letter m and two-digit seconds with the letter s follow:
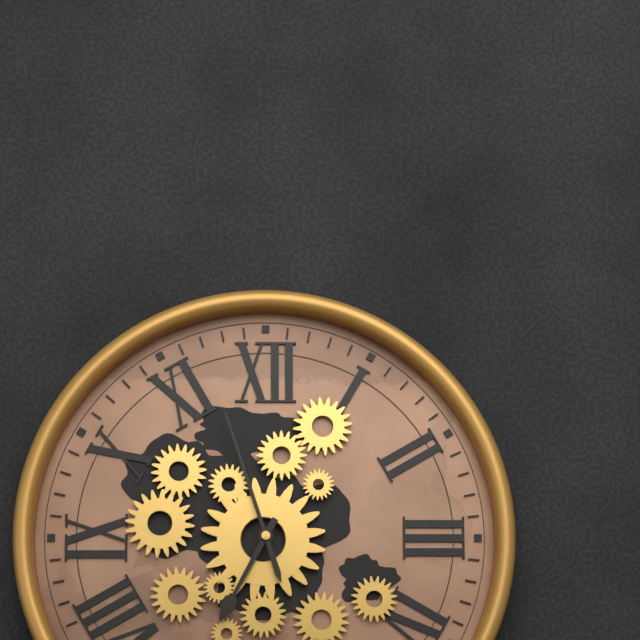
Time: 6h57
